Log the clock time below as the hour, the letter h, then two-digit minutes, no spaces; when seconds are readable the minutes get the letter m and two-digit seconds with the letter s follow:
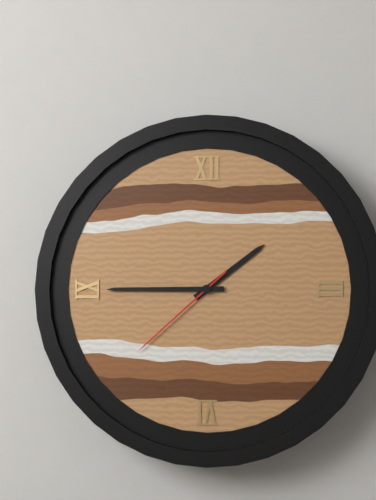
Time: 1h45m38s
